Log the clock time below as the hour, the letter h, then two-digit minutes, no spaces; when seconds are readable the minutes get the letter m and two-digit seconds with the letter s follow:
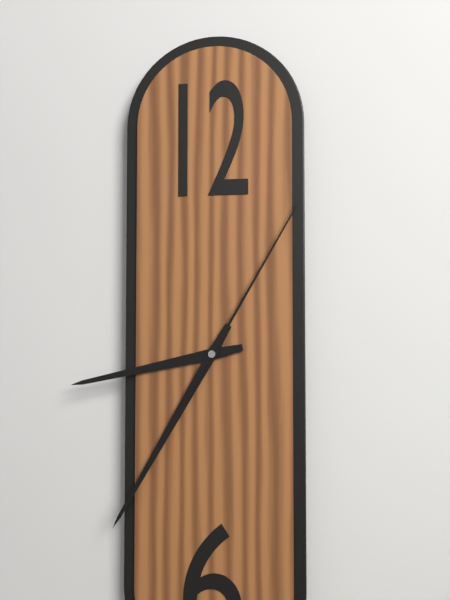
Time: 8h35m05s
